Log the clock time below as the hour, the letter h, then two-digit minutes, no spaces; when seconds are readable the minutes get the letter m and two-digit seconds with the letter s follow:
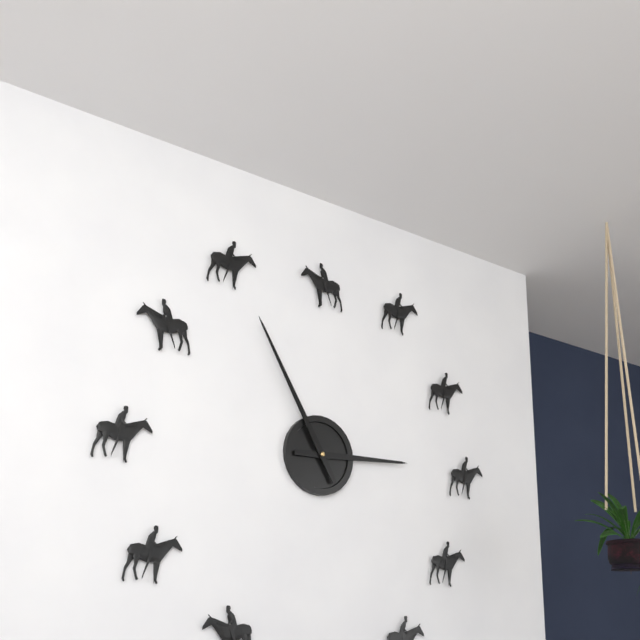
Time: 2h55
